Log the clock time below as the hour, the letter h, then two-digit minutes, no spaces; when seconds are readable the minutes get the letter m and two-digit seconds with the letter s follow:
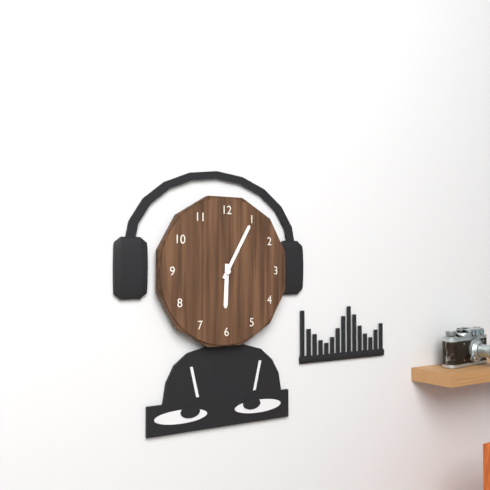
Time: 6h05
